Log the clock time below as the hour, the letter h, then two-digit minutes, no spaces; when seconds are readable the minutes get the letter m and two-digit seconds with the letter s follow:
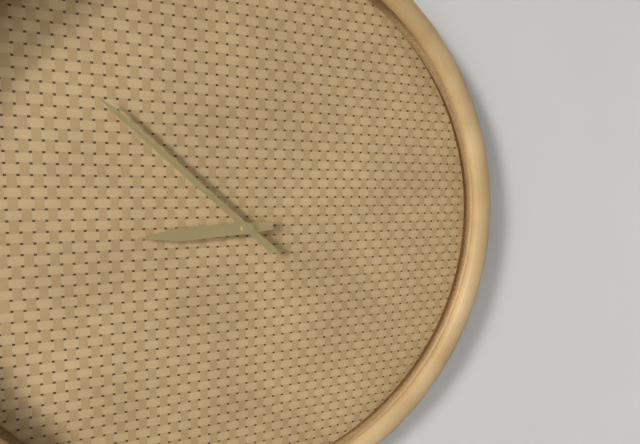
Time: 8h52
